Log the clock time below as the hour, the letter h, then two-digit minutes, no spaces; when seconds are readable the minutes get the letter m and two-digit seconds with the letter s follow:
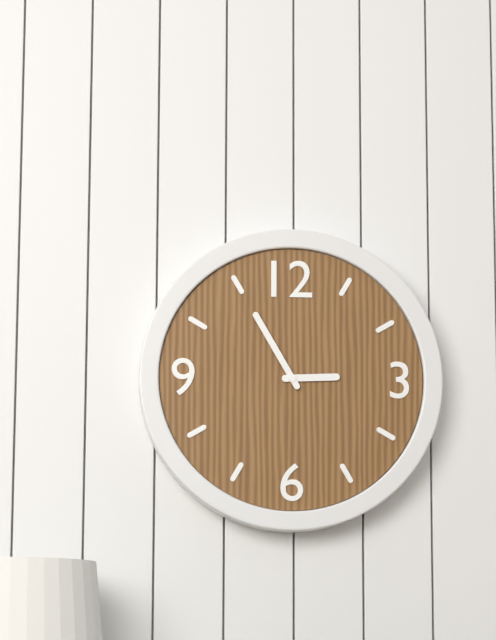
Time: 2h55
